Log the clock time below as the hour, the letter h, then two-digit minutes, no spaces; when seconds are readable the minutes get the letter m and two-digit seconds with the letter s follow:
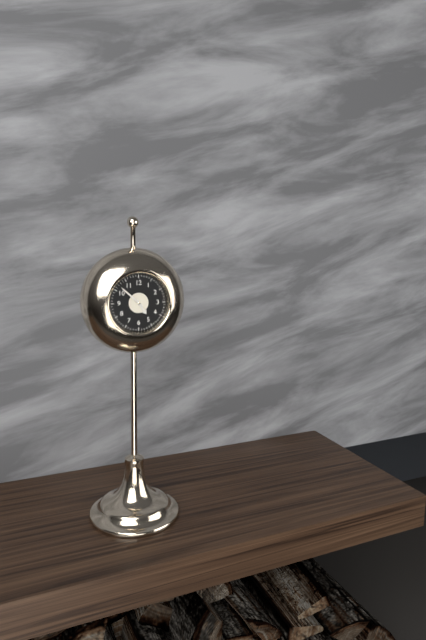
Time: 4h52
